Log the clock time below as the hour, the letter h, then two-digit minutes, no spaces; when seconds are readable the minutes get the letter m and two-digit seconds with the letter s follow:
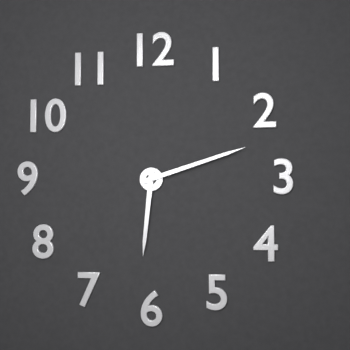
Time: 6h12
